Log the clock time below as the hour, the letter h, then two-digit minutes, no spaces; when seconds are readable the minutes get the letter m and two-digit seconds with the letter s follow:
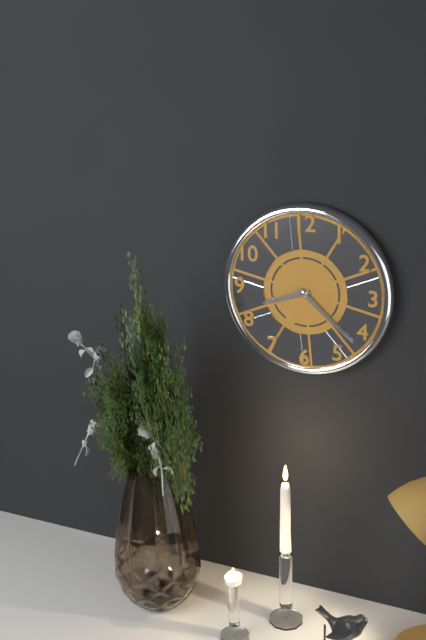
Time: 8h22
